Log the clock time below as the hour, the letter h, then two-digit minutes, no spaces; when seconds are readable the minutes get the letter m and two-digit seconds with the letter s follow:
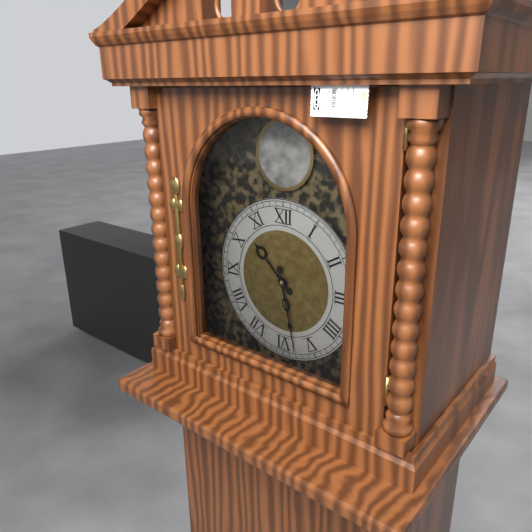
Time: 10h28
